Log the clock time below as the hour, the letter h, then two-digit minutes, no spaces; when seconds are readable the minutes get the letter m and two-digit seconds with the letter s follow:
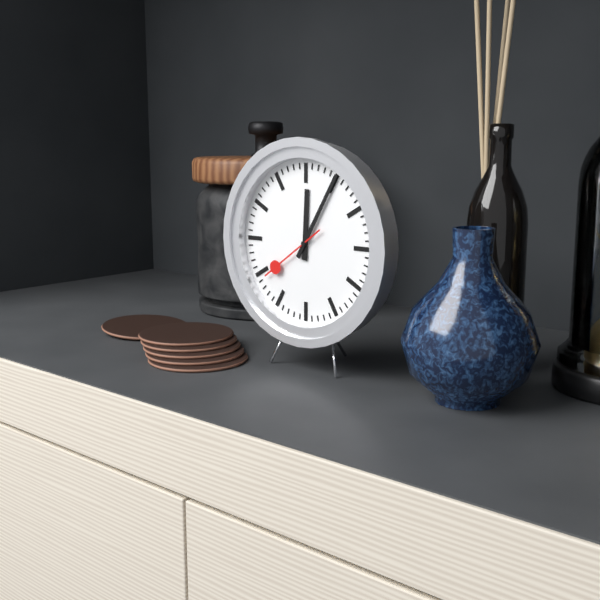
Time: 12h05m39s
